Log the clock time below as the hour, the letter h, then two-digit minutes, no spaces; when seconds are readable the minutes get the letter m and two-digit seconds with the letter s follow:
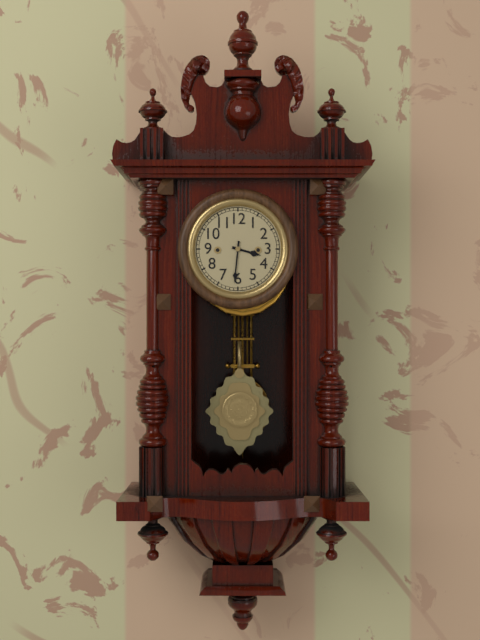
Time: 3h31
